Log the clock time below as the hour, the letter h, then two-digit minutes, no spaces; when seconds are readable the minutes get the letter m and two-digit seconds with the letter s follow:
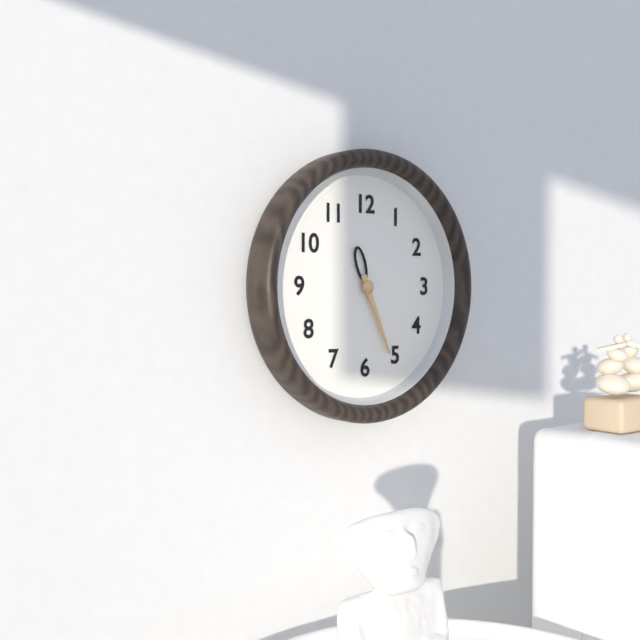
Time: 11h26
